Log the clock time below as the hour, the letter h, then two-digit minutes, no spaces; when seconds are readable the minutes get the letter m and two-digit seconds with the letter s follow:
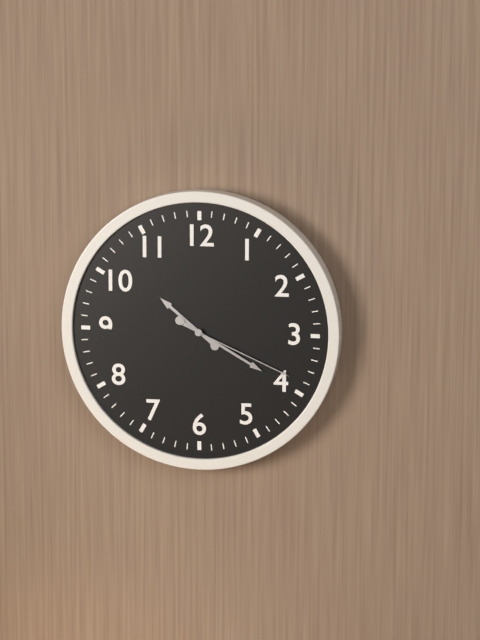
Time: 10h20m19s
